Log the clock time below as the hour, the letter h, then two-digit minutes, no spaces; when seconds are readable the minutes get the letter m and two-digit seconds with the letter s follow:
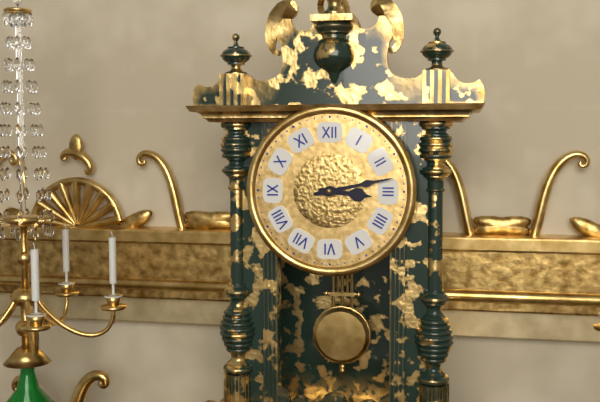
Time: 3h13
